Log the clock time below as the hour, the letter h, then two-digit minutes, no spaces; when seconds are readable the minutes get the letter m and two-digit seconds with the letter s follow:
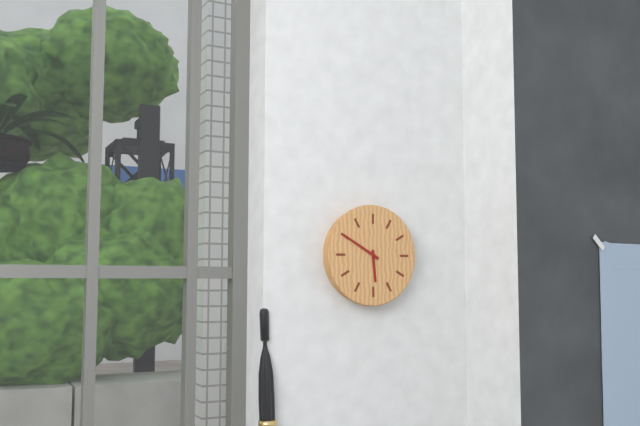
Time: 5h50
